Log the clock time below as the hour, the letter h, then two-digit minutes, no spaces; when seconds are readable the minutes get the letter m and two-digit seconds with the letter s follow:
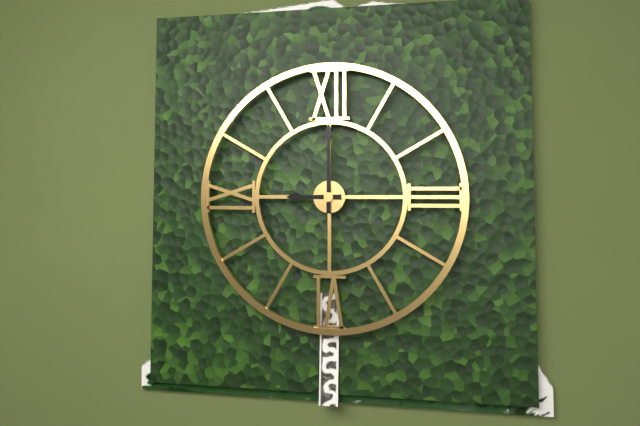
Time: 9h00
